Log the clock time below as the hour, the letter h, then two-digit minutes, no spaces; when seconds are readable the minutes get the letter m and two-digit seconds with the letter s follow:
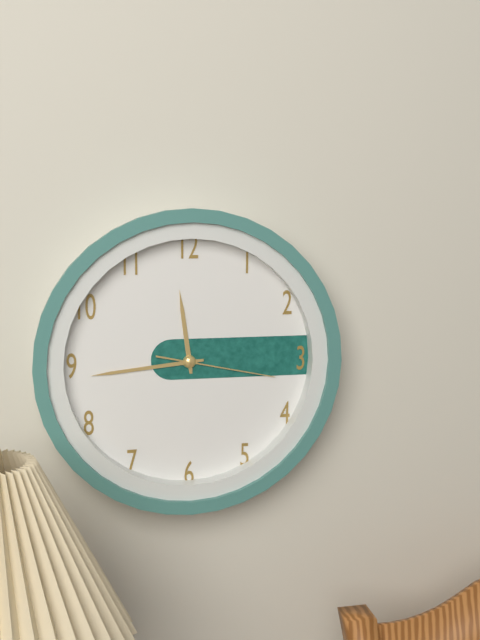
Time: 11h44m17s
